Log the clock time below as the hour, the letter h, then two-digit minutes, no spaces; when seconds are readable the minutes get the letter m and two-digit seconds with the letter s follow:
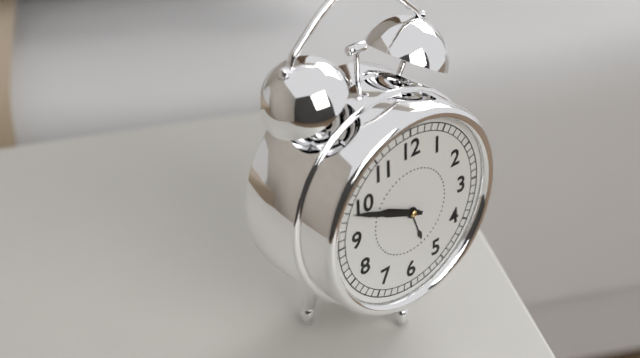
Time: 9h49
